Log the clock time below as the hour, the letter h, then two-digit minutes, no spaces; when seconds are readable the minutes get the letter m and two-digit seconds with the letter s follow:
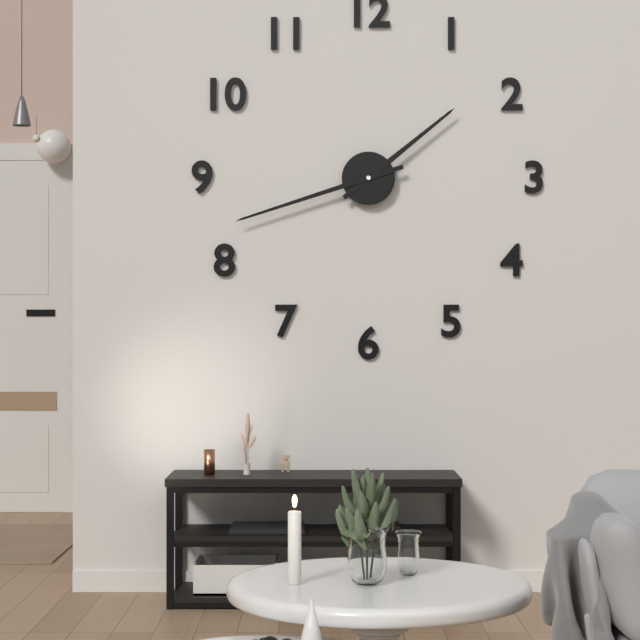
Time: 1h42
